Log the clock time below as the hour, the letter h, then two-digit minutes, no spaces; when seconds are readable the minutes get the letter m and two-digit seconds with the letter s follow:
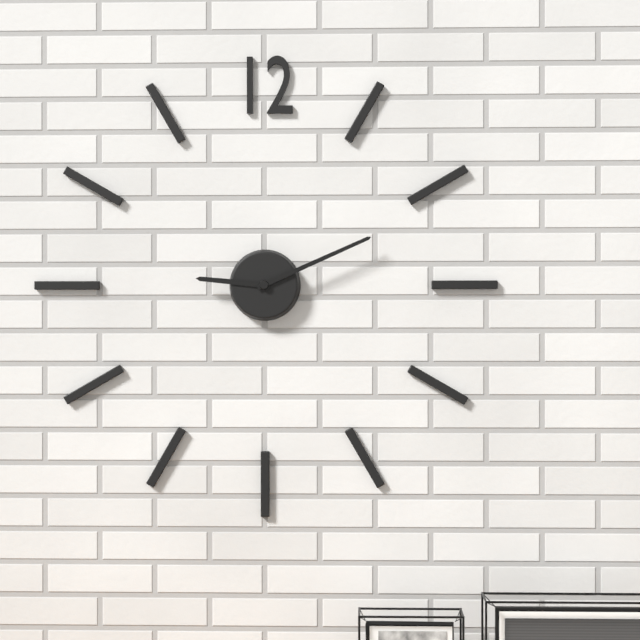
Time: 9h11
